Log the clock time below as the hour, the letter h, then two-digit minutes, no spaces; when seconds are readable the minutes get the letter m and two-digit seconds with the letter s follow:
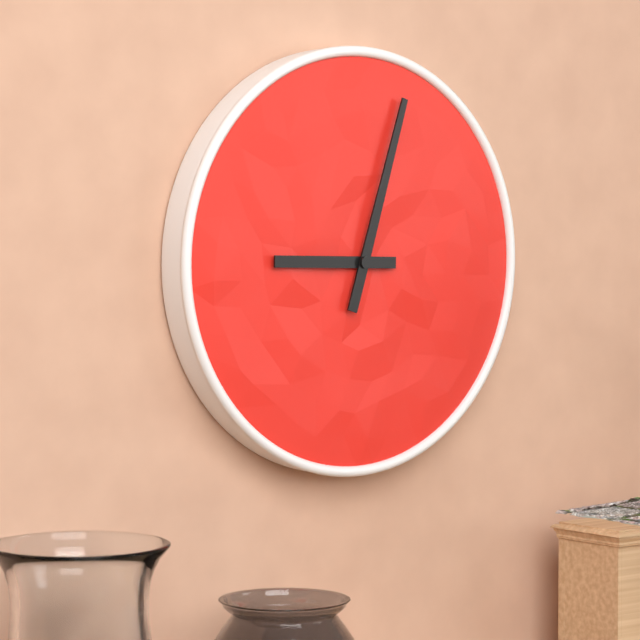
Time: 9h03
